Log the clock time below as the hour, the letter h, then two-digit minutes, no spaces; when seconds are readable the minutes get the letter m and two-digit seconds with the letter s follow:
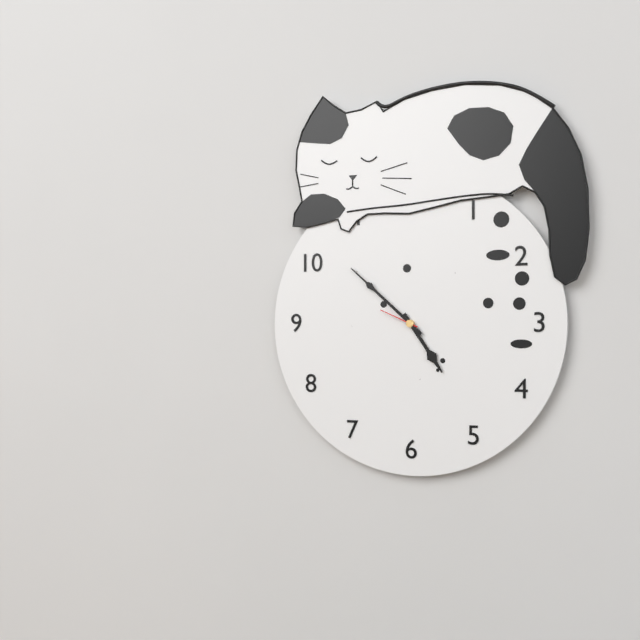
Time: 4h52
